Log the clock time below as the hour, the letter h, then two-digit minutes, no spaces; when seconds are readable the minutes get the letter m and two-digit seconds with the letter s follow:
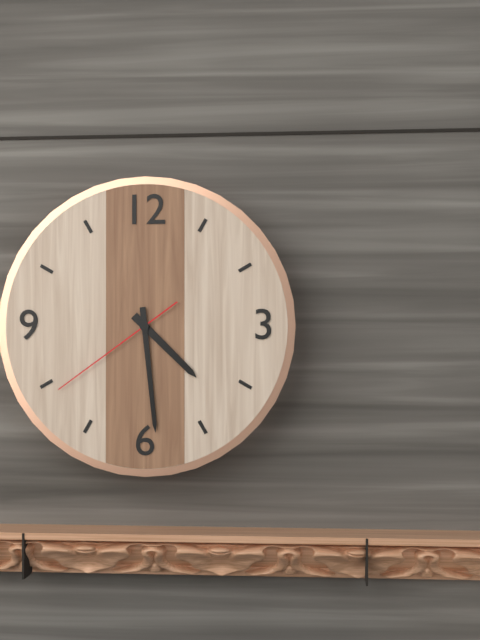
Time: 4h29m39s
